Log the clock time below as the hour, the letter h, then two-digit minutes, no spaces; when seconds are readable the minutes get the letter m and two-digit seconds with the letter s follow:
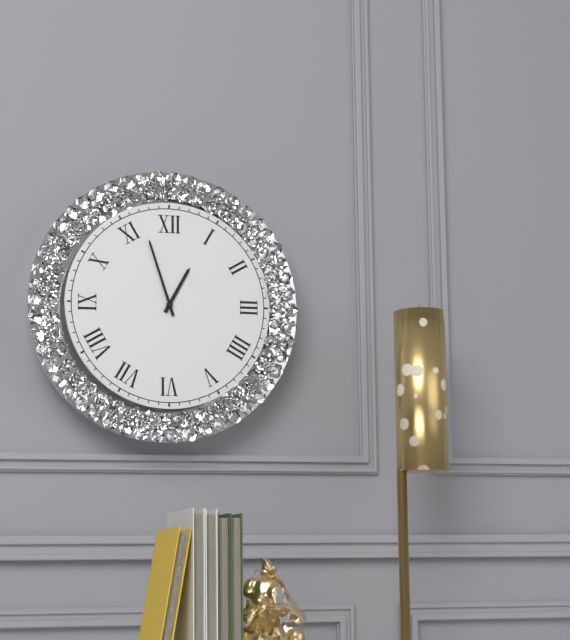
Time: 12h57
